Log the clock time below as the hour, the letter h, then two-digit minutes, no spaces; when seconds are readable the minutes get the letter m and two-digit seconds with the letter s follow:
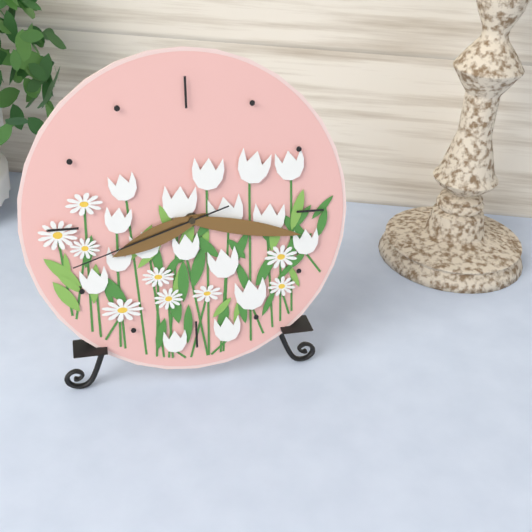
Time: 8h17m42s
